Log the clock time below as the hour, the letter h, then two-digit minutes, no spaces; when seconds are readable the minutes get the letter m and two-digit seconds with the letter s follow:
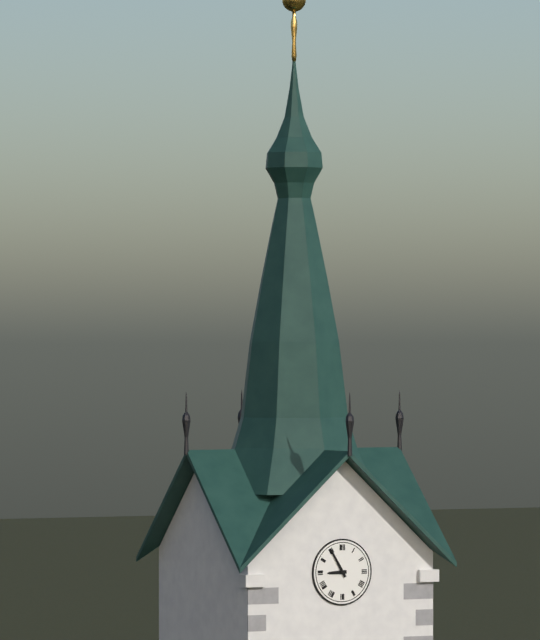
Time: 8h55
